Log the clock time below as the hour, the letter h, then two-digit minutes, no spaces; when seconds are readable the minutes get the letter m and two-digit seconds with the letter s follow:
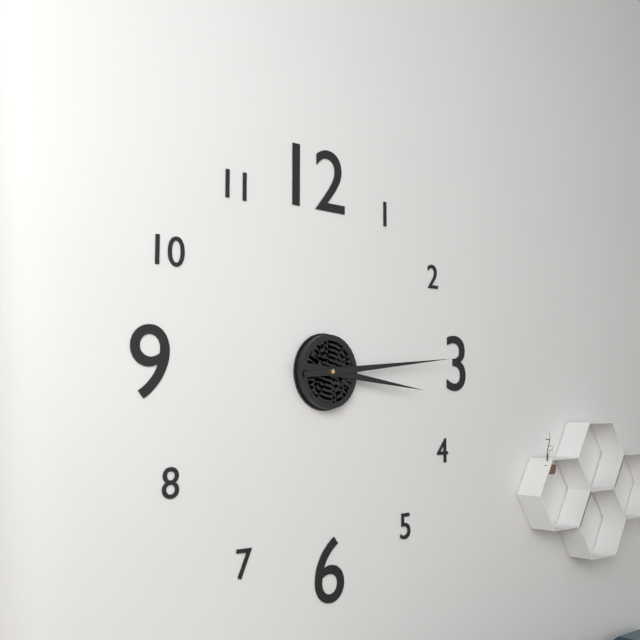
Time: 3h14
